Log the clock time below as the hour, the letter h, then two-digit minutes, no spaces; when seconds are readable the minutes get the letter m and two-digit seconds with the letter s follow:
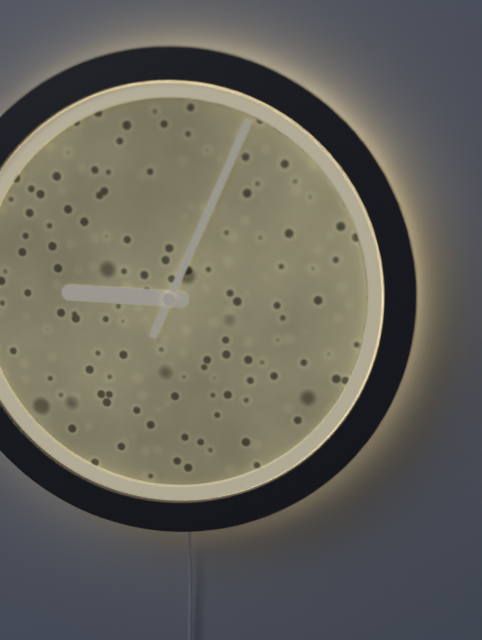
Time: 9h04
